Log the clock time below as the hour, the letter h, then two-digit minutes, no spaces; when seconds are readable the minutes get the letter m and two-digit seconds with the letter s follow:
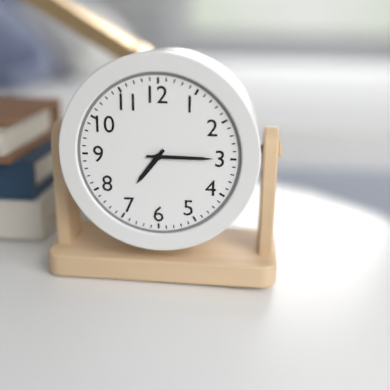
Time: 7h15
